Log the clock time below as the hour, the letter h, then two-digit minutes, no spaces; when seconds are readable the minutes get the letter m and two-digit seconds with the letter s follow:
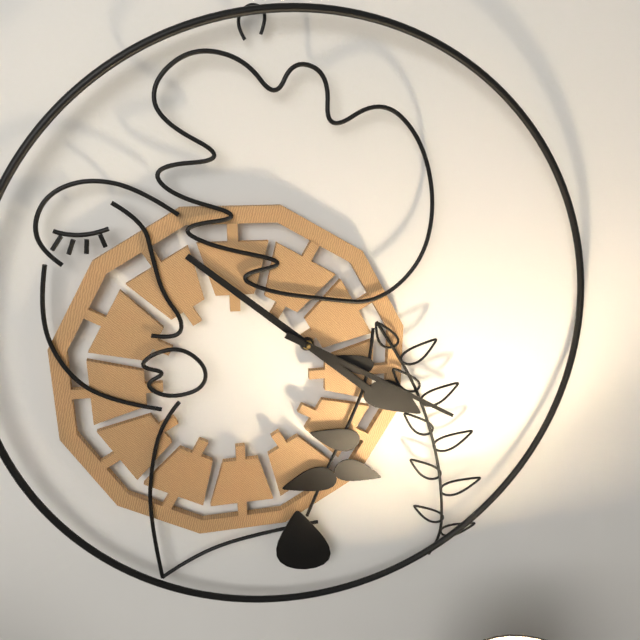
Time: 10h20
